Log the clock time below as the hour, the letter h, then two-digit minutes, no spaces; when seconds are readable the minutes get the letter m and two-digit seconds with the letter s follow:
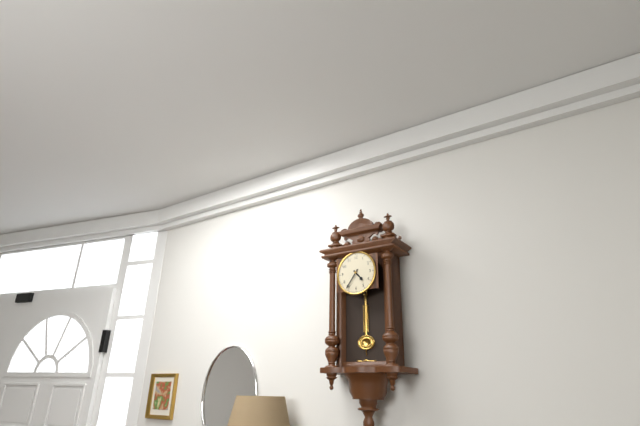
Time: 4h36
